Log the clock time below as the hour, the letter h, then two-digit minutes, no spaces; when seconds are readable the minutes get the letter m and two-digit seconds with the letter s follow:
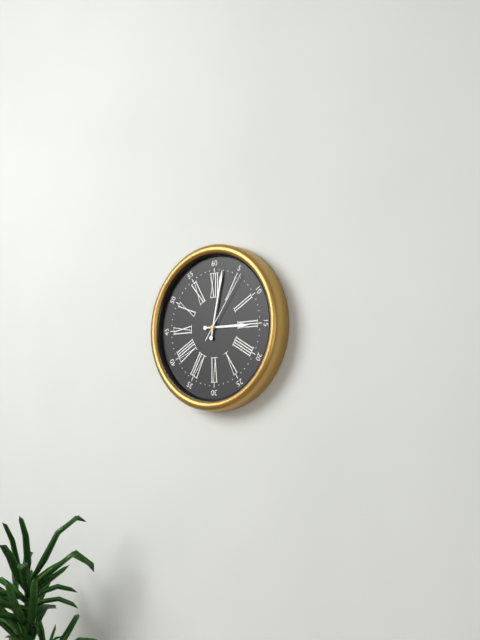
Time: 3h02m06s
